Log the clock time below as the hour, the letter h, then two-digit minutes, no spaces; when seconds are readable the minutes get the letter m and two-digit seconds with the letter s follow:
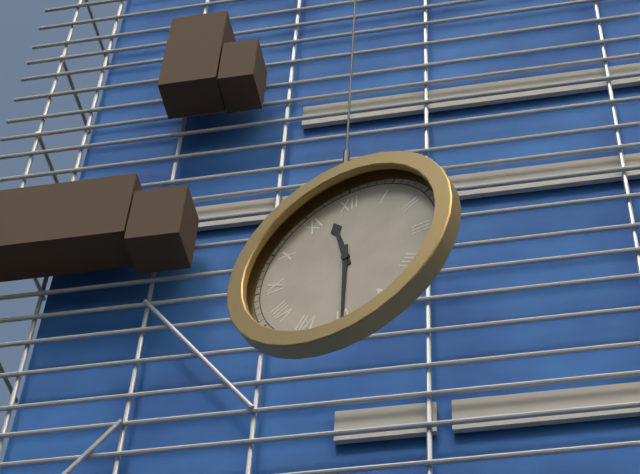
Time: 11h30
